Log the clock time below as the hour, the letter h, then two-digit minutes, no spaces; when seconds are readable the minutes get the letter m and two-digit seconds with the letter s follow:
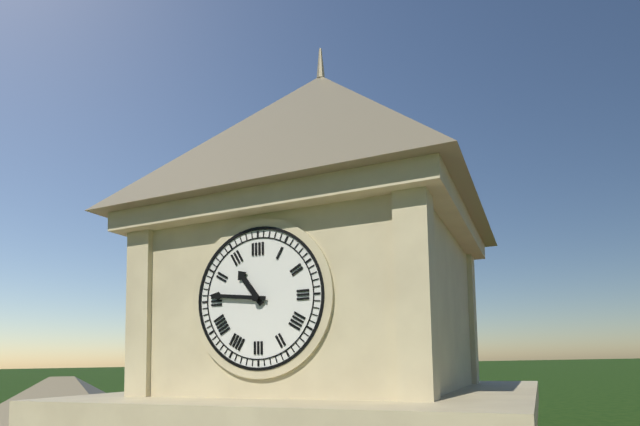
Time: 10h46
